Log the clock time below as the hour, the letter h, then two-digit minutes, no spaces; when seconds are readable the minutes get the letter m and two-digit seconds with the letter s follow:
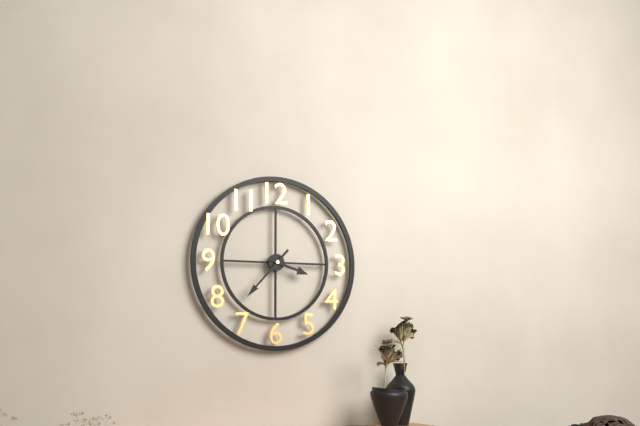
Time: 3h37
